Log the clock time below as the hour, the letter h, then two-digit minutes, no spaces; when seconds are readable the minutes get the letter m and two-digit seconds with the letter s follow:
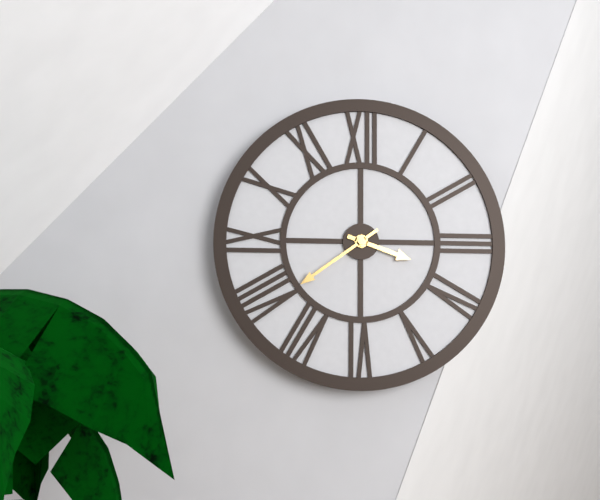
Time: 3h39
